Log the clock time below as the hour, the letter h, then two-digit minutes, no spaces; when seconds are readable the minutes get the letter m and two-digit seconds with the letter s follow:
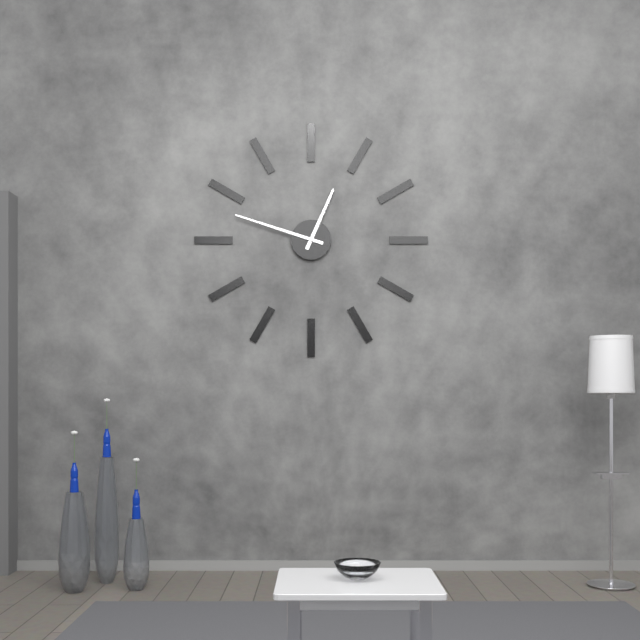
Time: 12h48
